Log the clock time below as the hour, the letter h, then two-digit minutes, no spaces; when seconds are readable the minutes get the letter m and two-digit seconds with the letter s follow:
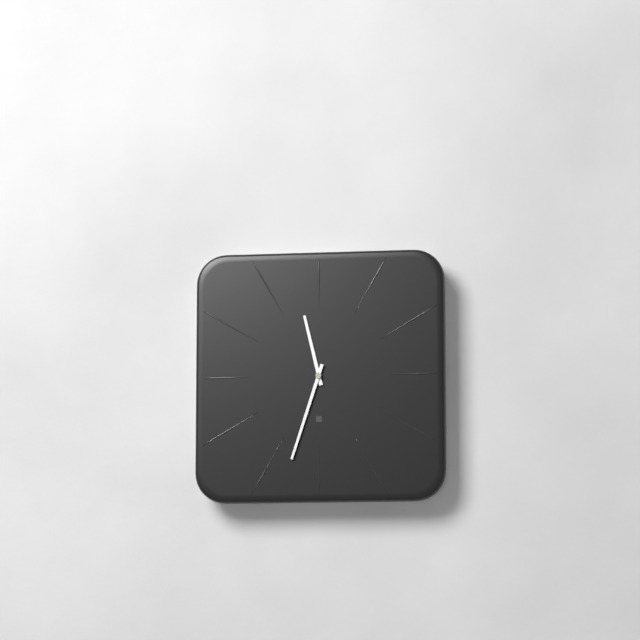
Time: 11h33
